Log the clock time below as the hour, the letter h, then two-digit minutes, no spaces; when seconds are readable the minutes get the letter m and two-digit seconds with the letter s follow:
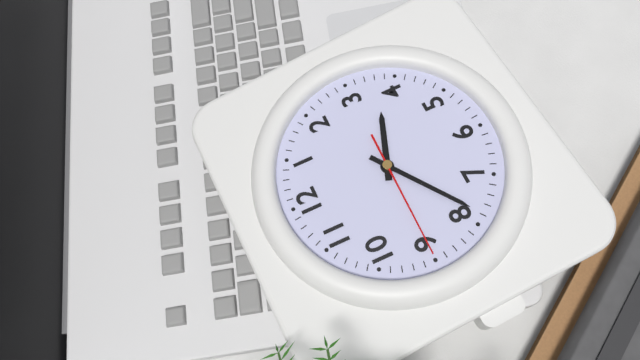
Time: 3h39m45s
